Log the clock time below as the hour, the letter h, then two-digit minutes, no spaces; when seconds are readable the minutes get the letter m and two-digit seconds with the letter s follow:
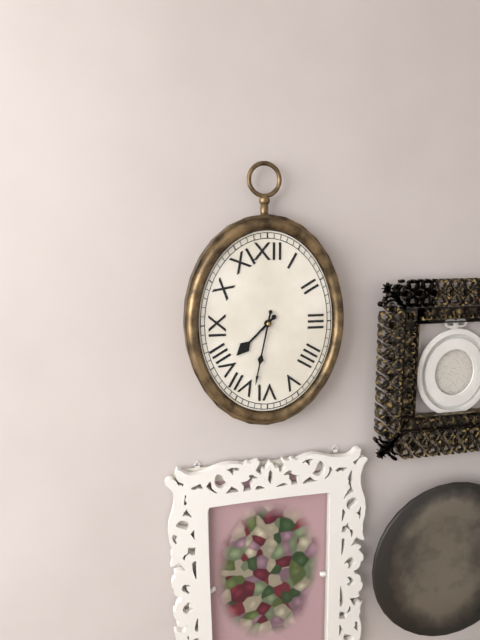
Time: 7h32
